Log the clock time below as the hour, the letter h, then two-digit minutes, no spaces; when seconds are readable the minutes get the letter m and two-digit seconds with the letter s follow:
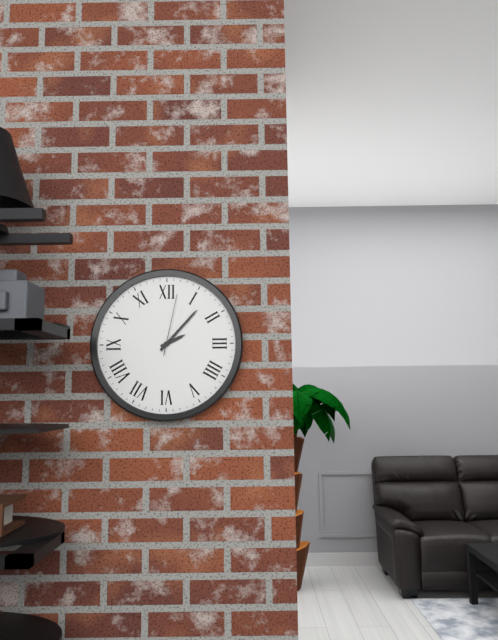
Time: 2h07m02s
